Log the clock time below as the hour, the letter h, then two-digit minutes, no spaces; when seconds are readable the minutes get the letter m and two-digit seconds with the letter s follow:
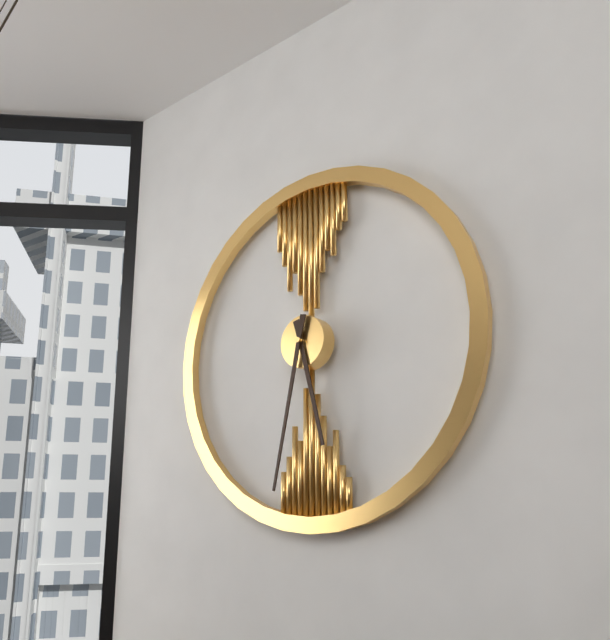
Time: 5h32
